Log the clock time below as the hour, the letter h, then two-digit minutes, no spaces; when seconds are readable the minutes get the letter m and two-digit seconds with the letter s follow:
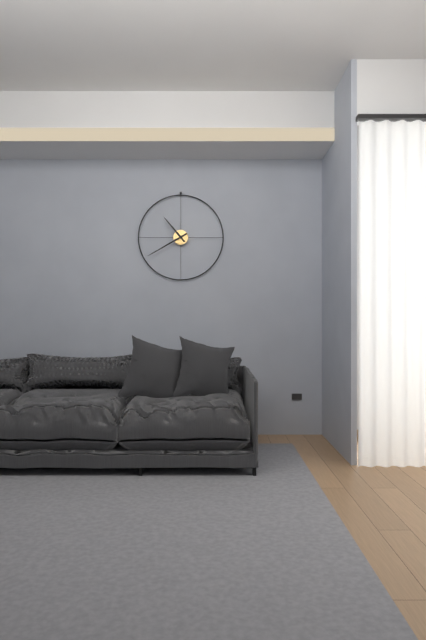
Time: 10h40
